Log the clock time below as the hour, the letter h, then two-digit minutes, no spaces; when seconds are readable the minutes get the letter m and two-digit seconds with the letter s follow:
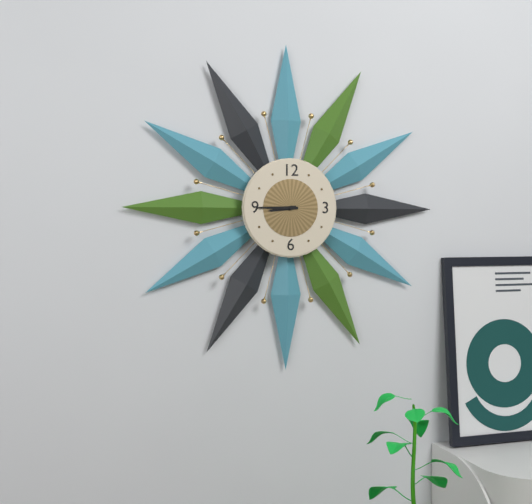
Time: 8h45
